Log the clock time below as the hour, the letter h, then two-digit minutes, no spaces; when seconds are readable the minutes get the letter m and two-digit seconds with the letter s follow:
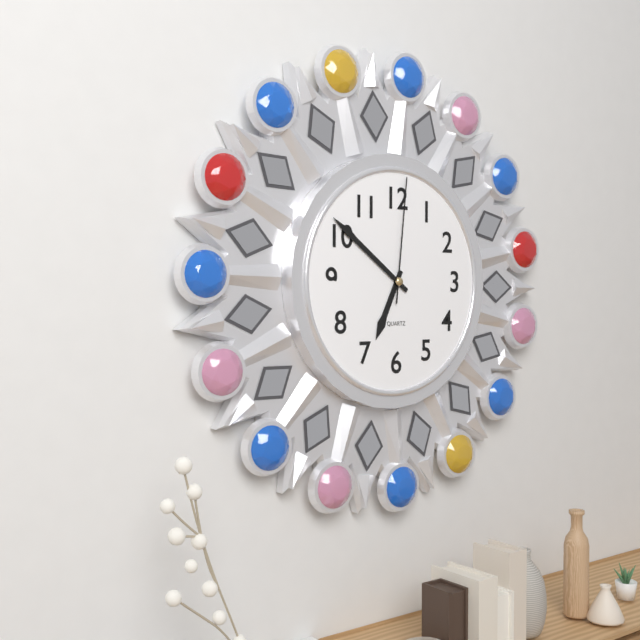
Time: 6h51m01s
